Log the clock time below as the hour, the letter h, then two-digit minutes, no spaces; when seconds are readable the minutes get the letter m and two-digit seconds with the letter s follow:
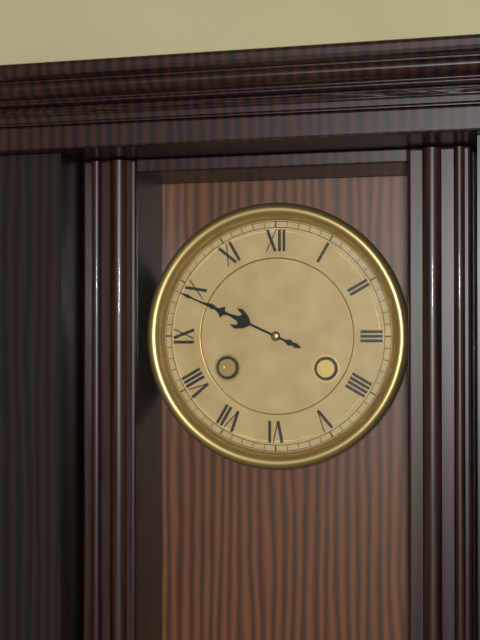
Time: 9h49
